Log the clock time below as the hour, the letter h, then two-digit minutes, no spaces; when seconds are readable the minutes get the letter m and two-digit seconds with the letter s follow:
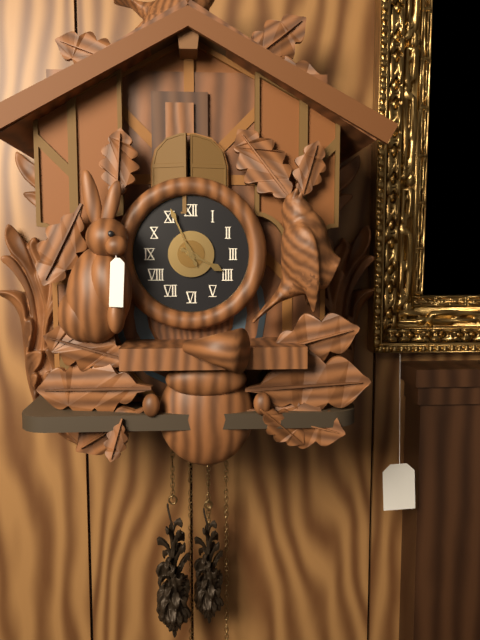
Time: 3h56
